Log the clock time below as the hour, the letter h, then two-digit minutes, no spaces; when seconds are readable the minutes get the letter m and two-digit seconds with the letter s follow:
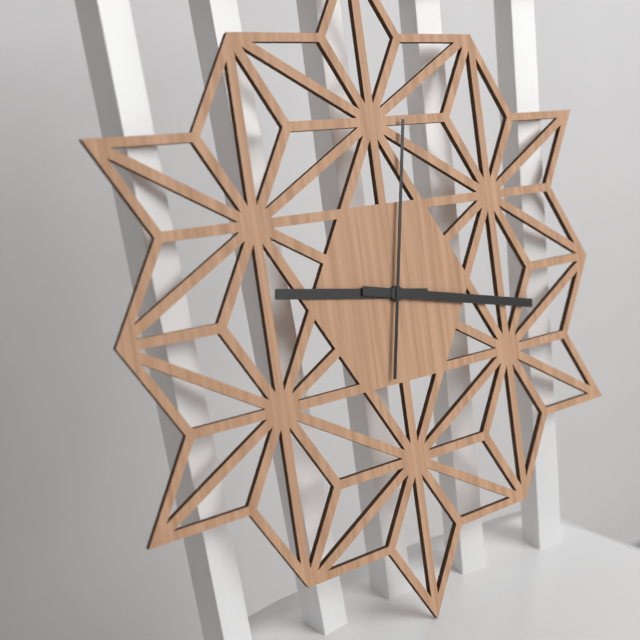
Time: 9h17m02s
